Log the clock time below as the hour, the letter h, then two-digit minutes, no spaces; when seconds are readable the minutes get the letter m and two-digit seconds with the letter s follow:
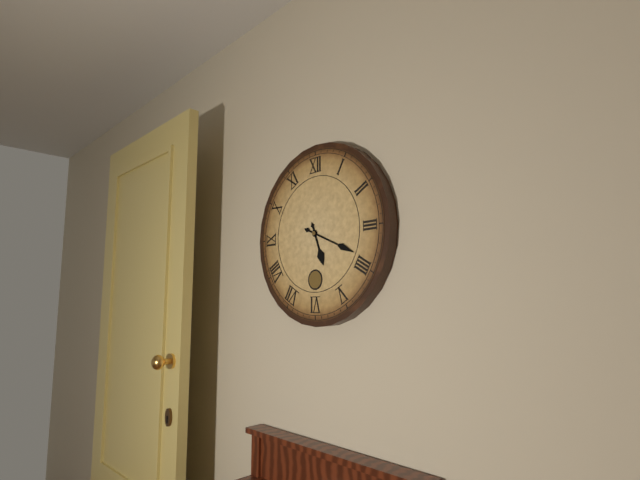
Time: 5h19
